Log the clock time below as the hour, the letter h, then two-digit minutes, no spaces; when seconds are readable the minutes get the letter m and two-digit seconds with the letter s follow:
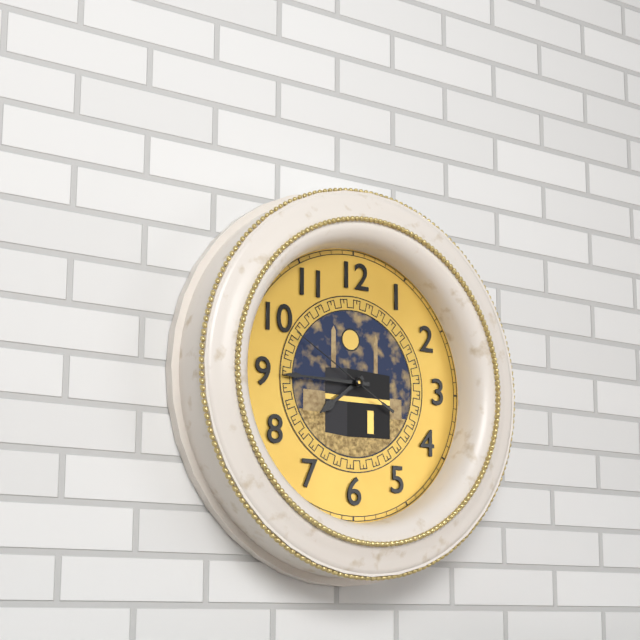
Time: 7h45m50s
